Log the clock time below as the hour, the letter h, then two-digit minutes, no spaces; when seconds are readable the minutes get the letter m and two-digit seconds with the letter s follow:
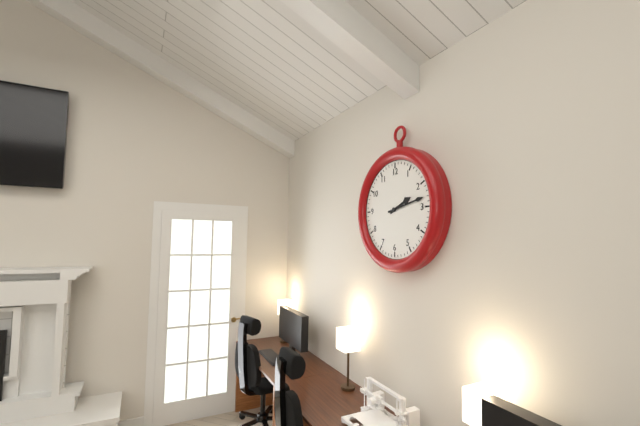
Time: 2h13
